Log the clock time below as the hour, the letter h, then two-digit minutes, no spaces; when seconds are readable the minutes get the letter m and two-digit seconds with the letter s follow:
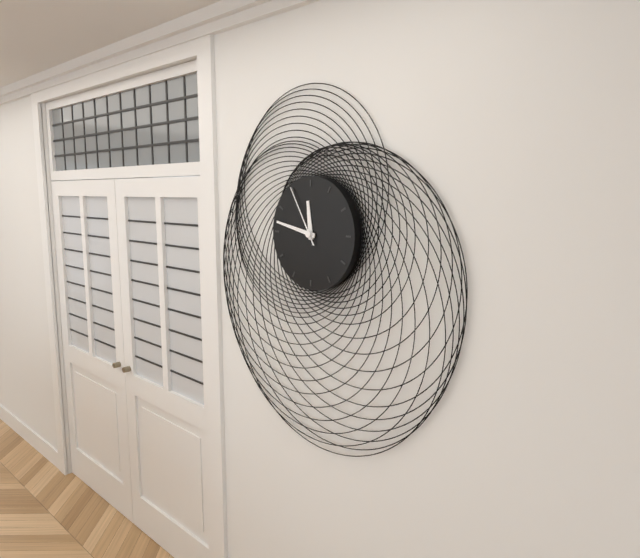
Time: 11h47m55s
